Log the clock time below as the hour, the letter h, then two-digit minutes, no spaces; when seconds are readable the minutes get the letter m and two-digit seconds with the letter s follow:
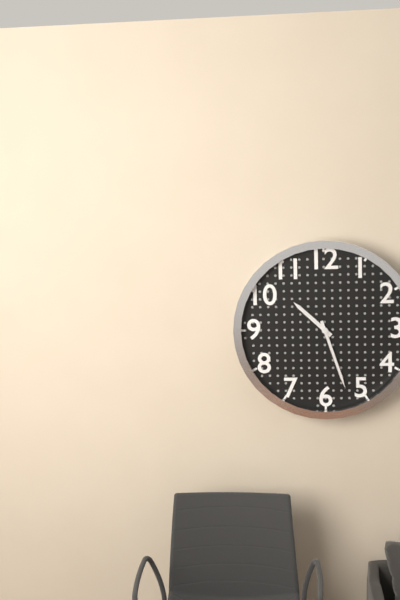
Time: 10h27
